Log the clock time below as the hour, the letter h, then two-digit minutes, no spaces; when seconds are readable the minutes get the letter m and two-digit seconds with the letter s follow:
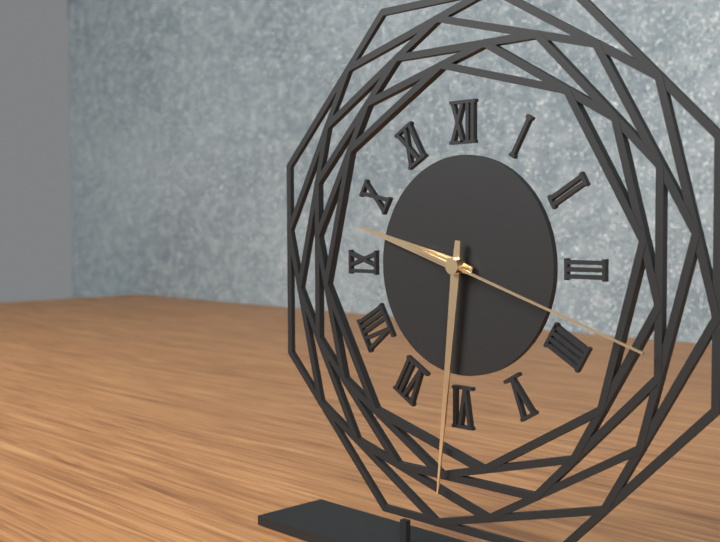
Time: 9h31m18s
